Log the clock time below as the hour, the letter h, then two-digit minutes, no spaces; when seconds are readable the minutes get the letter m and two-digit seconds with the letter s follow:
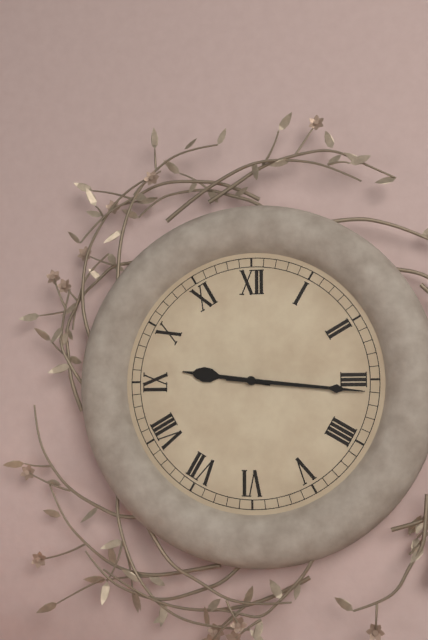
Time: 9h16
